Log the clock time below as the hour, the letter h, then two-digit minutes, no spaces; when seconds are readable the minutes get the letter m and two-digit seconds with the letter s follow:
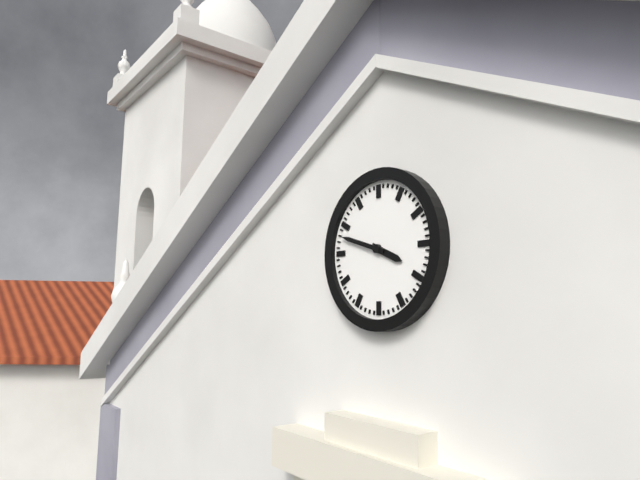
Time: 3h48
